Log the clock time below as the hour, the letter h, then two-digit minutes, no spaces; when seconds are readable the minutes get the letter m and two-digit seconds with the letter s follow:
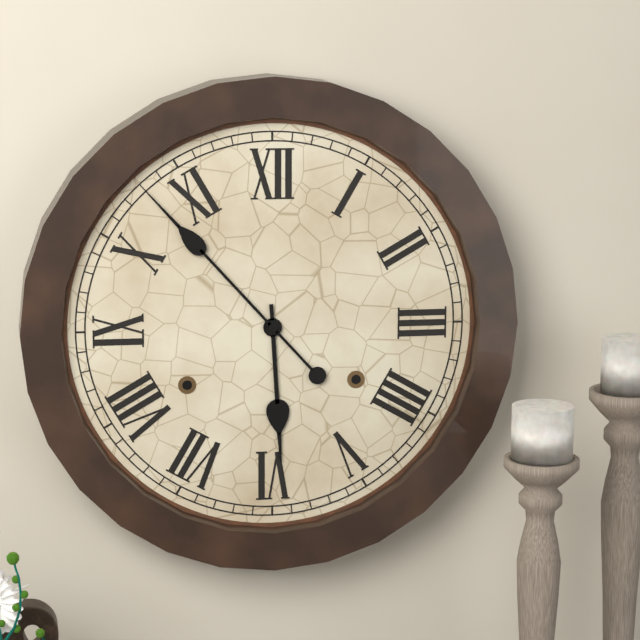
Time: 5h53
